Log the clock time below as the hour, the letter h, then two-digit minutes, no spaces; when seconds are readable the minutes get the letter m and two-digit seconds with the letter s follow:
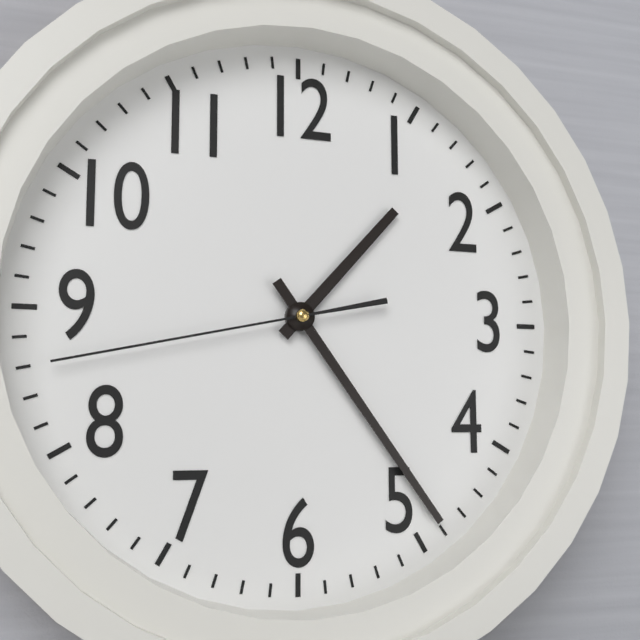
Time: 1h24m43s
